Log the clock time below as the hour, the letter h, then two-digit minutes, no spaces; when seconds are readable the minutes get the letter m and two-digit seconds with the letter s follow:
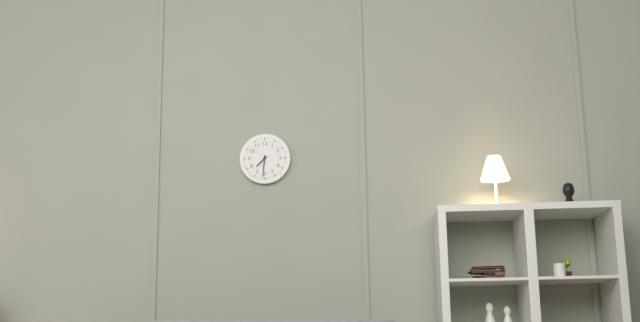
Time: 7h31
